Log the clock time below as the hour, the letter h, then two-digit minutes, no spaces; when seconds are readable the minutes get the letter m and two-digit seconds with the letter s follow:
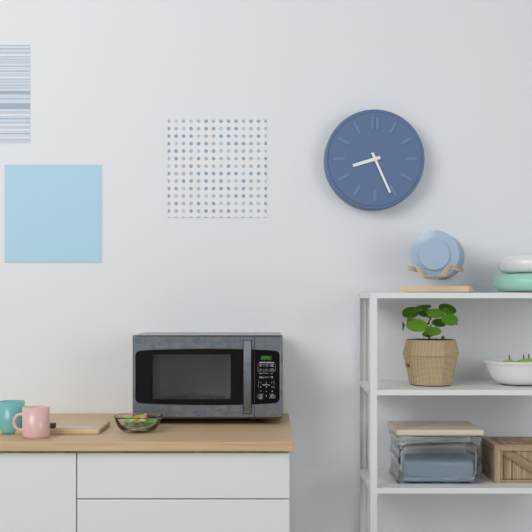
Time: 8h26
